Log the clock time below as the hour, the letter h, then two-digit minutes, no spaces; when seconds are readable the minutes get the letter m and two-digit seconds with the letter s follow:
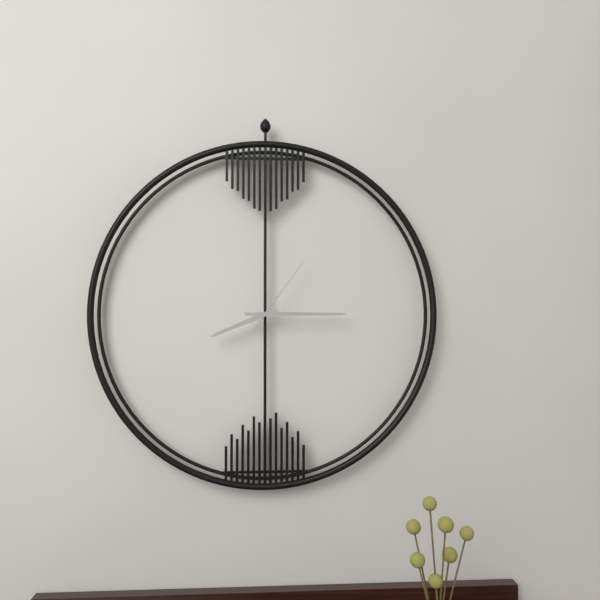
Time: 8h15m06s
